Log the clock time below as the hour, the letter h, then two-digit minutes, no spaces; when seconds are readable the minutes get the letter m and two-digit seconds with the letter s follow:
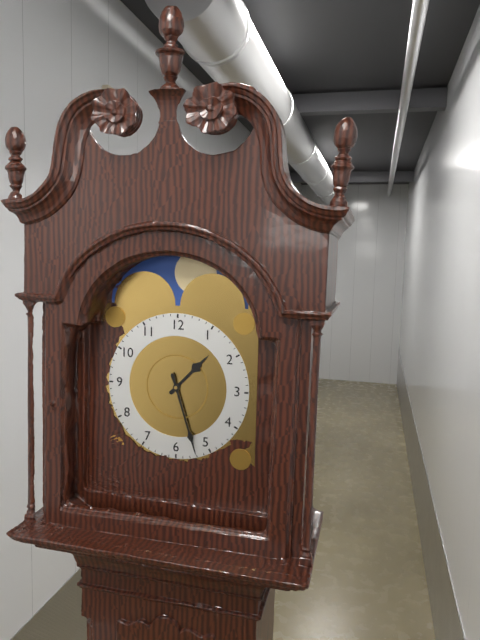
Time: 1h27
